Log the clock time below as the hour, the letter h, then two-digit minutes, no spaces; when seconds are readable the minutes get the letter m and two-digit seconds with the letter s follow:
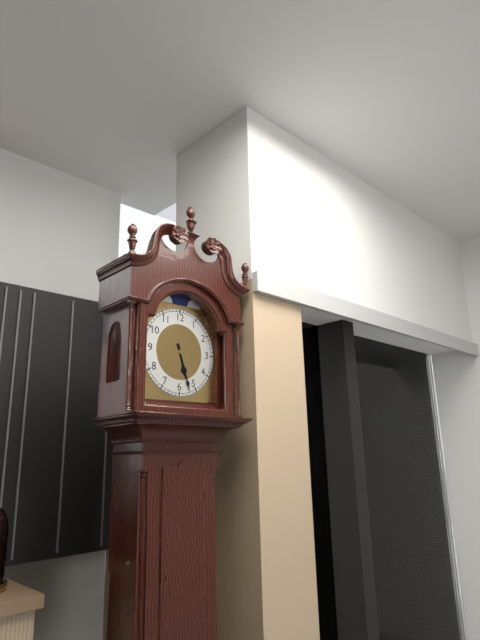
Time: 5h27
